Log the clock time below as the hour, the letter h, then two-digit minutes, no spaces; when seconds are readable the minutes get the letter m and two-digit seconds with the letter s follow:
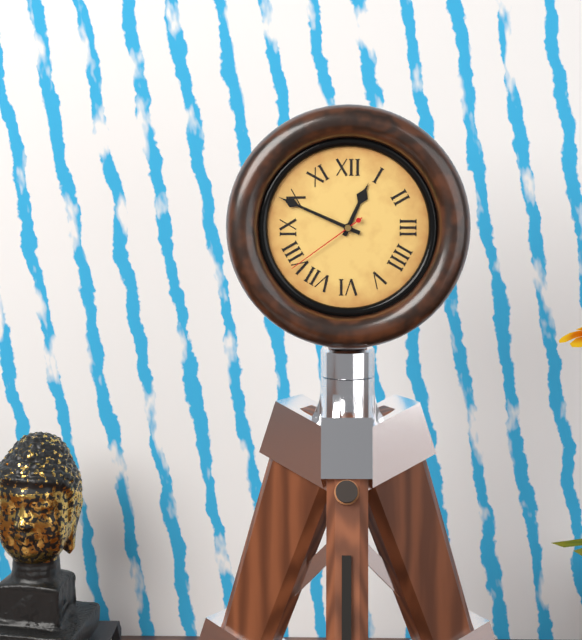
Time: 12h49m39s
